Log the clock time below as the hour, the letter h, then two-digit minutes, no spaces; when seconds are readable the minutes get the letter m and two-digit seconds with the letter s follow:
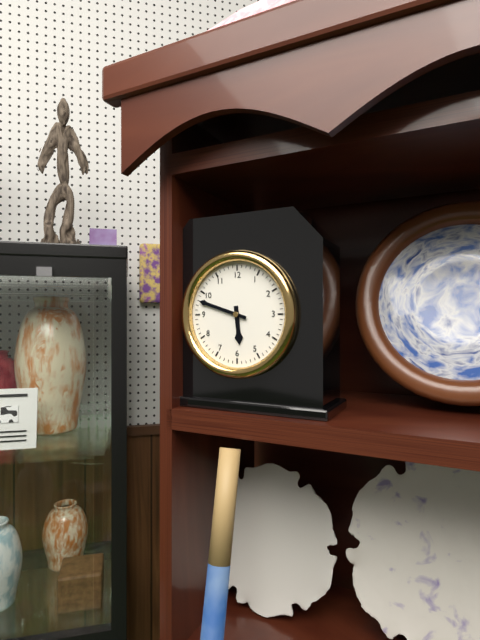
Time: 5h48
